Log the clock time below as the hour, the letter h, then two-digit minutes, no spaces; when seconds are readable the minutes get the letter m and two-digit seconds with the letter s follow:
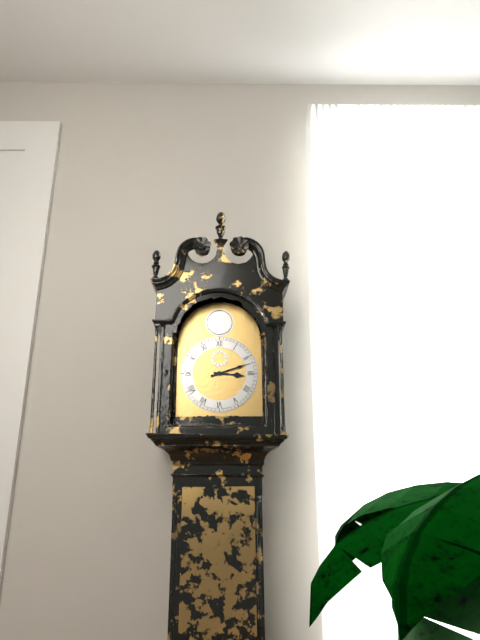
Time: 3h12
